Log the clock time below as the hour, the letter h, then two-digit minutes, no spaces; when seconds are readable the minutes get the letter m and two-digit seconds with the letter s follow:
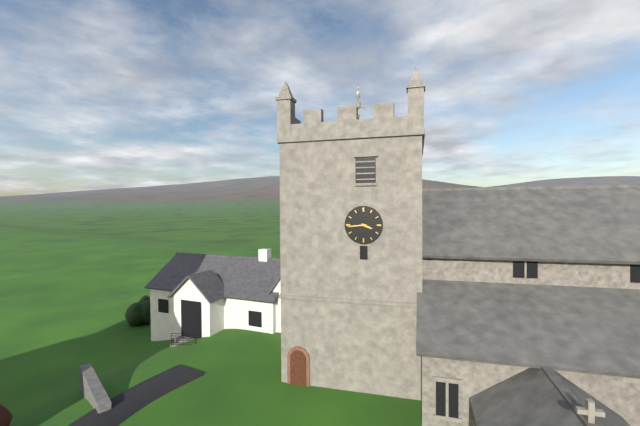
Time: 3h44
